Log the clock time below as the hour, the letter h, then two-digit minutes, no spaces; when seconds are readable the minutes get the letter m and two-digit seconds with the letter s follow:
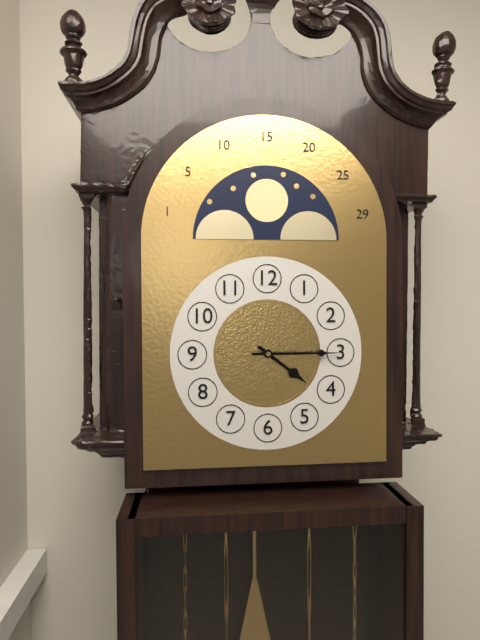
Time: 4h15
